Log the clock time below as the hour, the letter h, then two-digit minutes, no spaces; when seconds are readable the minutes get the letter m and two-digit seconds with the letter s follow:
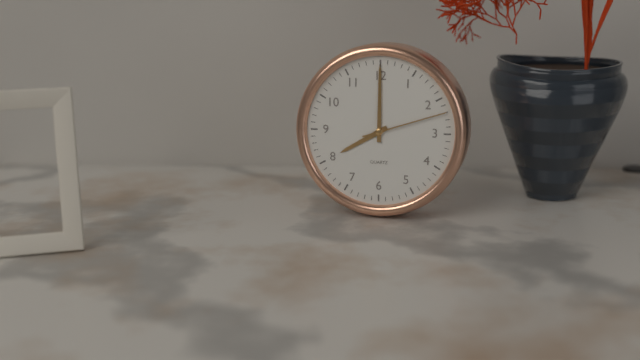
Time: 8h00m12s
